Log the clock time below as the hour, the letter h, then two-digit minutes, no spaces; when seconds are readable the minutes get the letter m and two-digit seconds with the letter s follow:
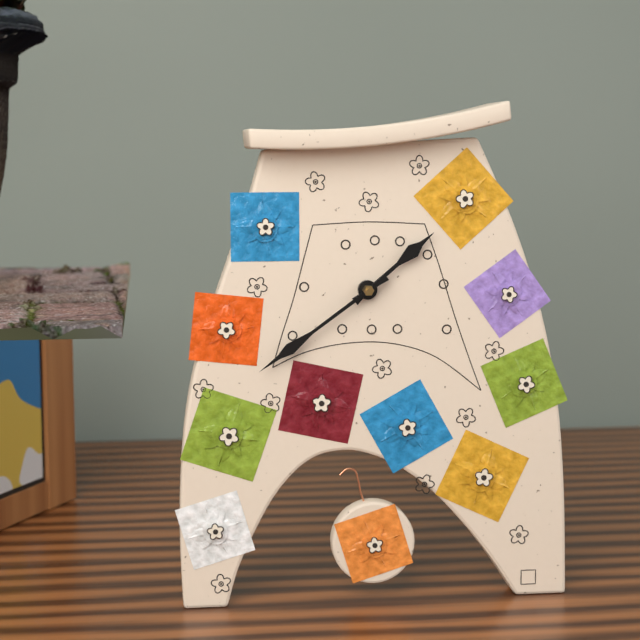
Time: 1h39
